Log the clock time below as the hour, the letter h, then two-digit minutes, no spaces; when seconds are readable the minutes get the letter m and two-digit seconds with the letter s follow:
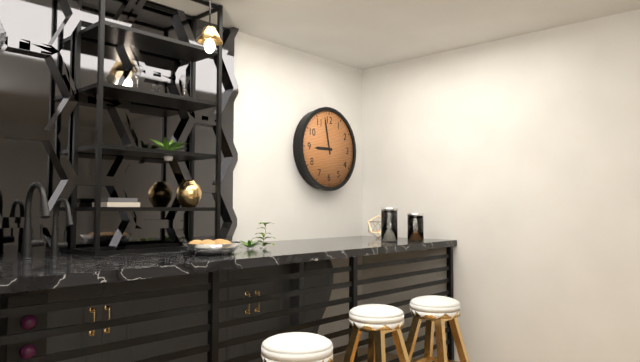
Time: 8h58
